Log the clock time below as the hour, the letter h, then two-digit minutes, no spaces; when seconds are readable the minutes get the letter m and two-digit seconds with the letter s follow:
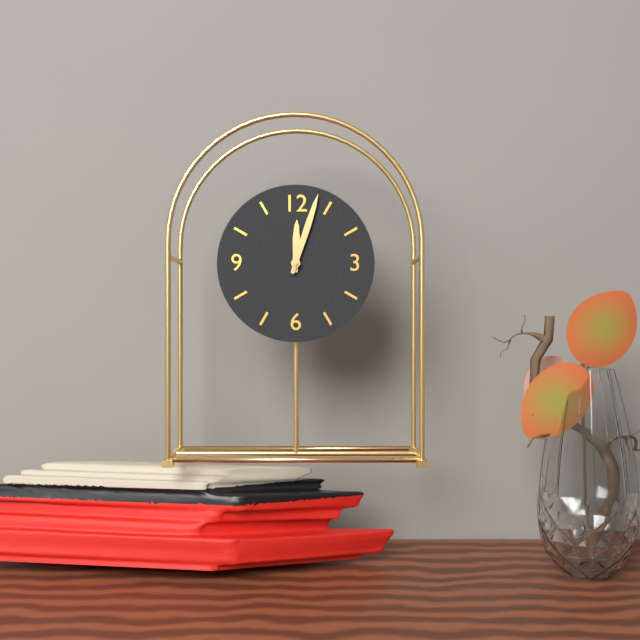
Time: 12h03
